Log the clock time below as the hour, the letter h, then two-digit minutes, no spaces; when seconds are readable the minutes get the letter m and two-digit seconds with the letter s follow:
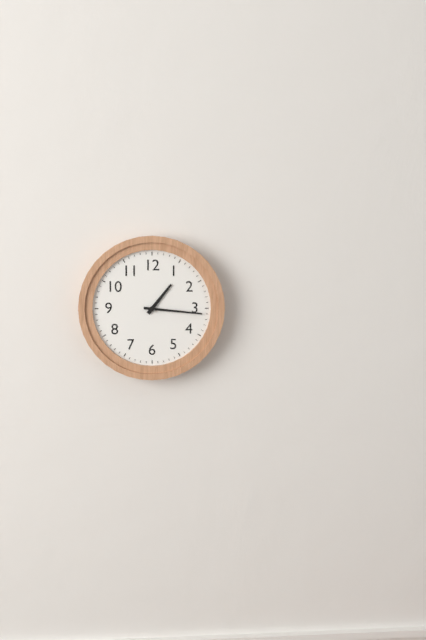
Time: 1h16
